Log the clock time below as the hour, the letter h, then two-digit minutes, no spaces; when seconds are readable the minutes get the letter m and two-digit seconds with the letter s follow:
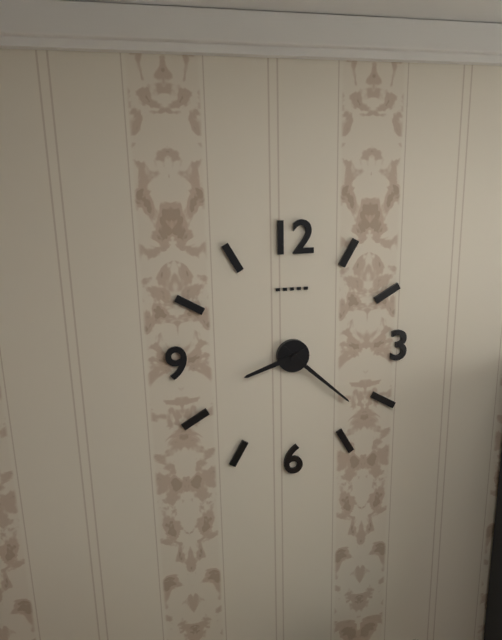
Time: 8h22
